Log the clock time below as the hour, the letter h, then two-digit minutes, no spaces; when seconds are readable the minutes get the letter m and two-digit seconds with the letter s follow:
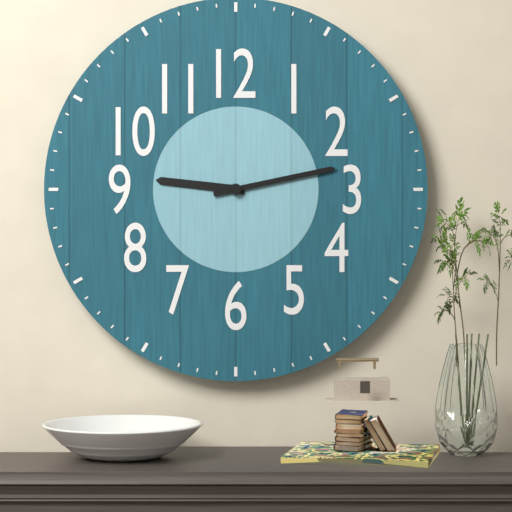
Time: 9h13
